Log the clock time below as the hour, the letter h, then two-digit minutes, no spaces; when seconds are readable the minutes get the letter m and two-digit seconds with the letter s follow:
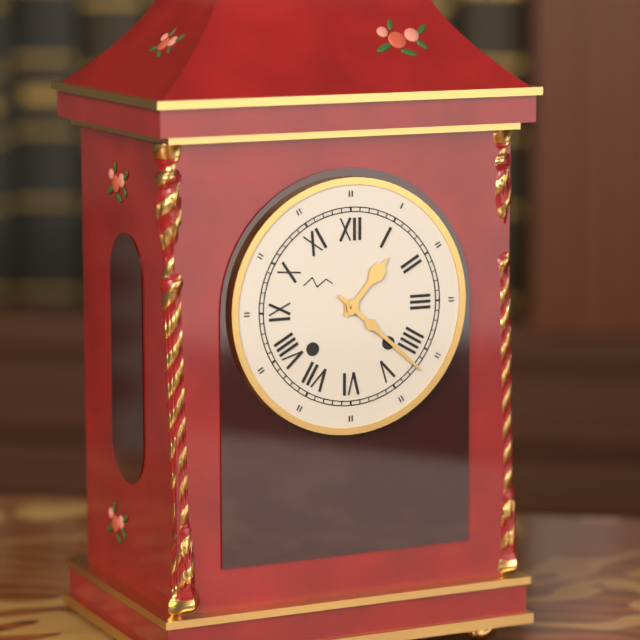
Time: 1h22
